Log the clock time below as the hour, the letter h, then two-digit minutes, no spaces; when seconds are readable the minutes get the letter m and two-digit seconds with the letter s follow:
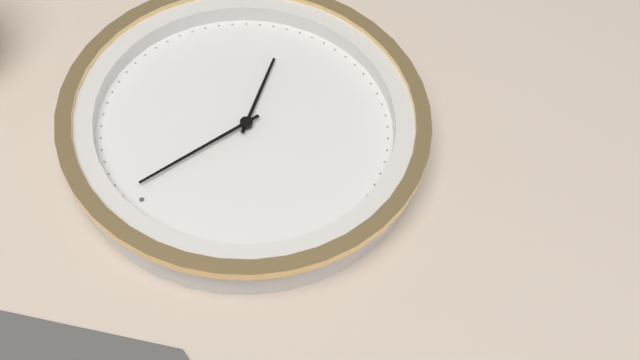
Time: 5h01
